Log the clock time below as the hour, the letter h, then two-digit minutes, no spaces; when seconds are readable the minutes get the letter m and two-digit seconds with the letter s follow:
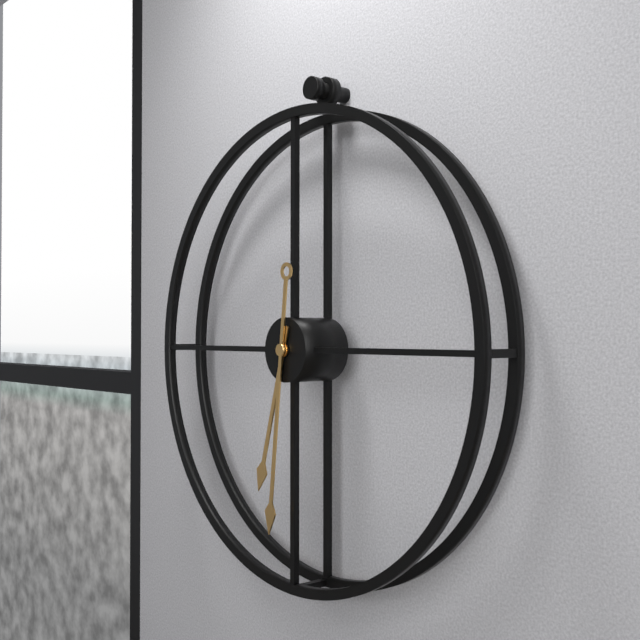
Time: 6h31
